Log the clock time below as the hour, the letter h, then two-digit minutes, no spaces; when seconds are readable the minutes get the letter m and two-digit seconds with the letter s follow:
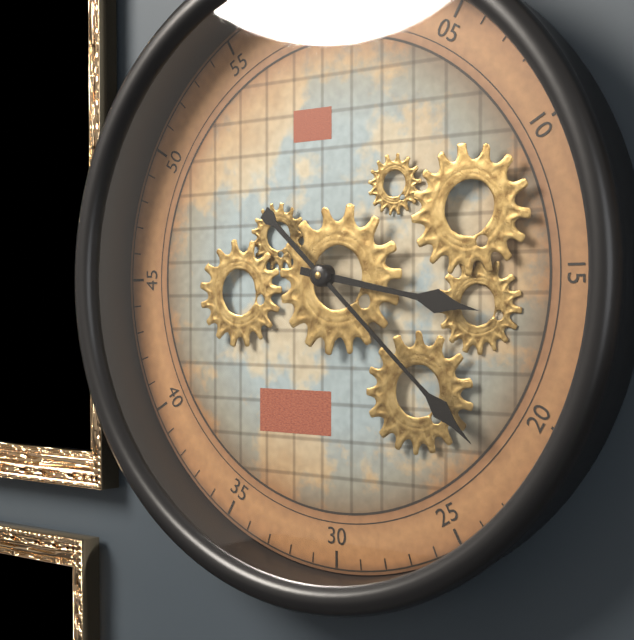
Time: 3h22
